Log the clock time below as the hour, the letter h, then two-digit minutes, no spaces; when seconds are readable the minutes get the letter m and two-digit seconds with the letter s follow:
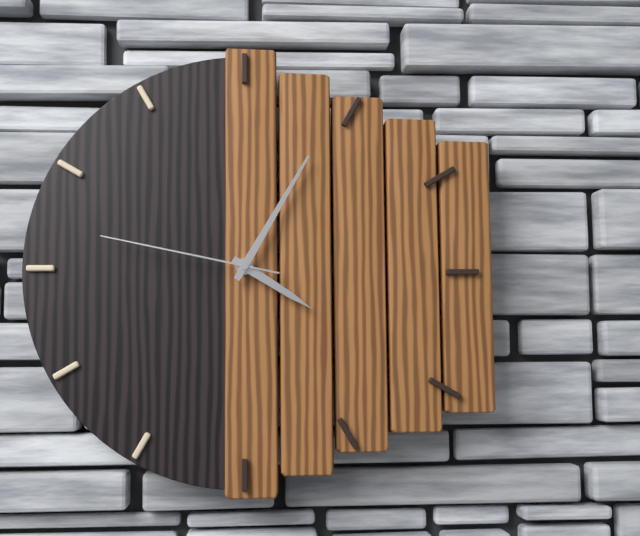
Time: 4h05m47s
